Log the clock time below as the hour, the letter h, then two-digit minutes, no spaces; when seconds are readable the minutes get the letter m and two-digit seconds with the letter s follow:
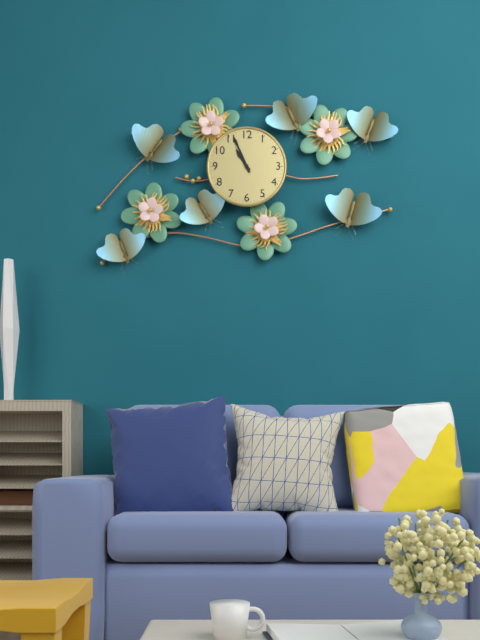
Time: 10h56
